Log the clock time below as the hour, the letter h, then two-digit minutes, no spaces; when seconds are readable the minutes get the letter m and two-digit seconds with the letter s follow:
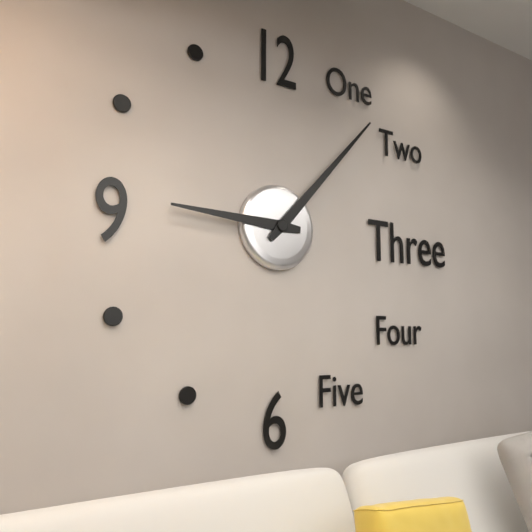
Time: 9h07
